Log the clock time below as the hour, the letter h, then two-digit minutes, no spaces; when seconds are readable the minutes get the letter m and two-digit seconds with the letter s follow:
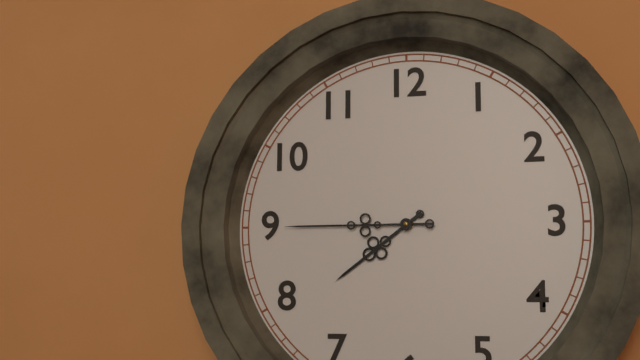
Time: 7h45
